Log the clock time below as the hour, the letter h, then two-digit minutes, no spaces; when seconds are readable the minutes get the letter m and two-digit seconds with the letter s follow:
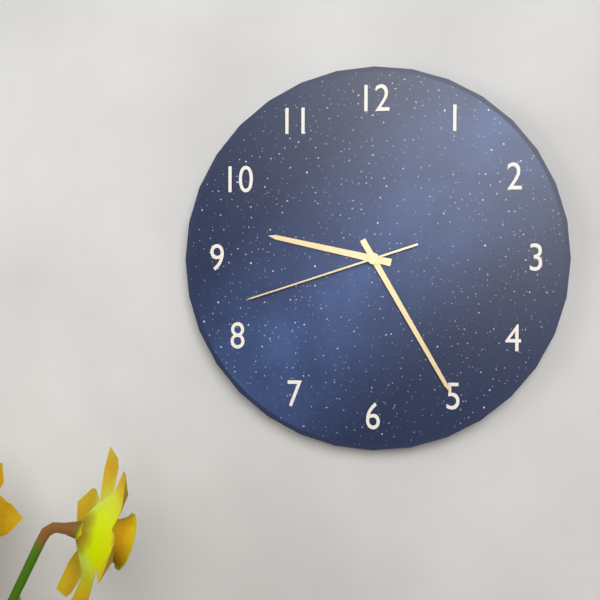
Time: 9h25m42s
